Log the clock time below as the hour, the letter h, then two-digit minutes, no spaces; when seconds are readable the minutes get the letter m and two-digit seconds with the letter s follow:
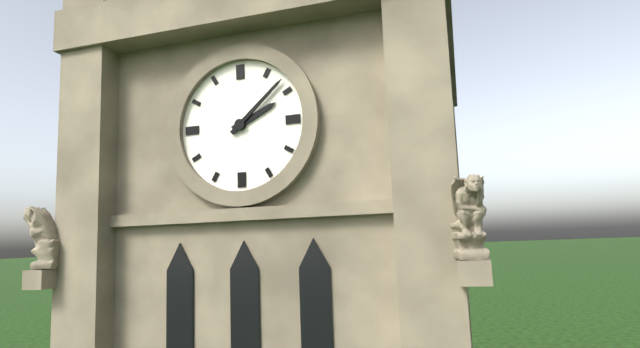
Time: 2h08
